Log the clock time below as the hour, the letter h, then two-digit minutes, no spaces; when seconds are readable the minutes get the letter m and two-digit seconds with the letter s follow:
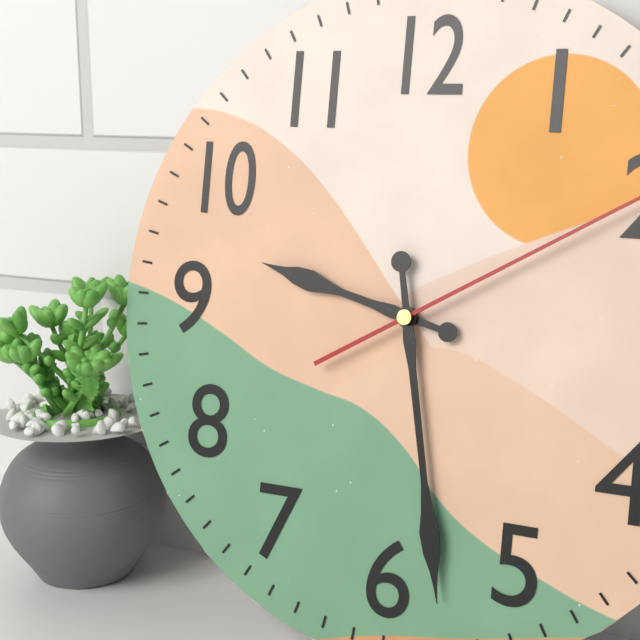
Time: 9h28
